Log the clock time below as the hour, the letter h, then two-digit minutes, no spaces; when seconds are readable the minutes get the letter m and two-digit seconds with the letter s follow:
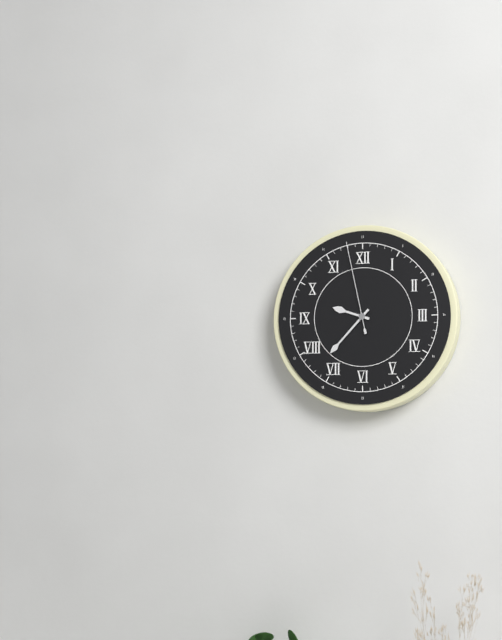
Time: 9h37m58s
